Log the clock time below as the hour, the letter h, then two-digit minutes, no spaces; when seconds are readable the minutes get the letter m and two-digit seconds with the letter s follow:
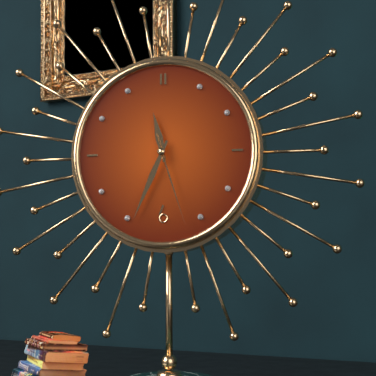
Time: 11h34m27s
